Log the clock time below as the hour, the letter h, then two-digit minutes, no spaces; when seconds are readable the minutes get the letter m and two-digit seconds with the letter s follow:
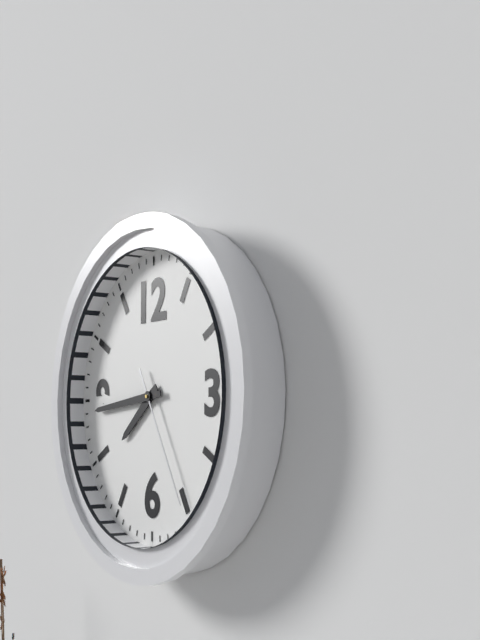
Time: 7h44m25s
